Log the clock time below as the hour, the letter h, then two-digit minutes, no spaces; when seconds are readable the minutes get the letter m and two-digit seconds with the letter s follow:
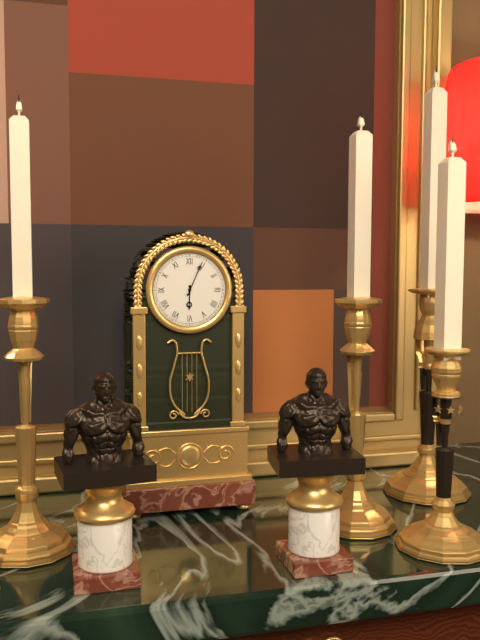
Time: 6h04
